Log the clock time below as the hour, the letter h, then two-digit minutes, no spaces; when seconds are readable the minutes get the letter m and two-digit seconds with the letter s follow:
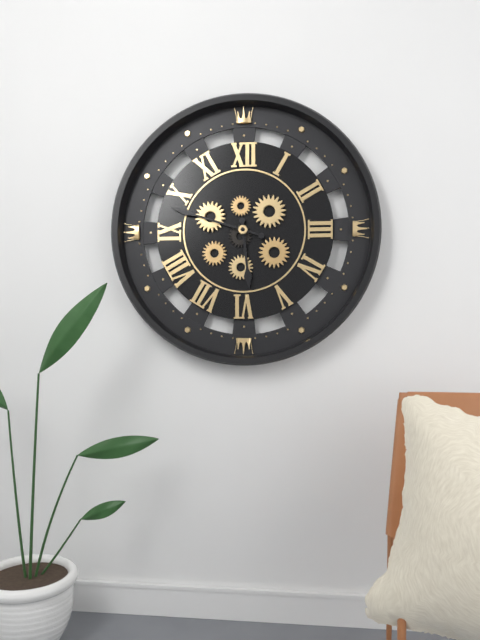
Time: 5h48
